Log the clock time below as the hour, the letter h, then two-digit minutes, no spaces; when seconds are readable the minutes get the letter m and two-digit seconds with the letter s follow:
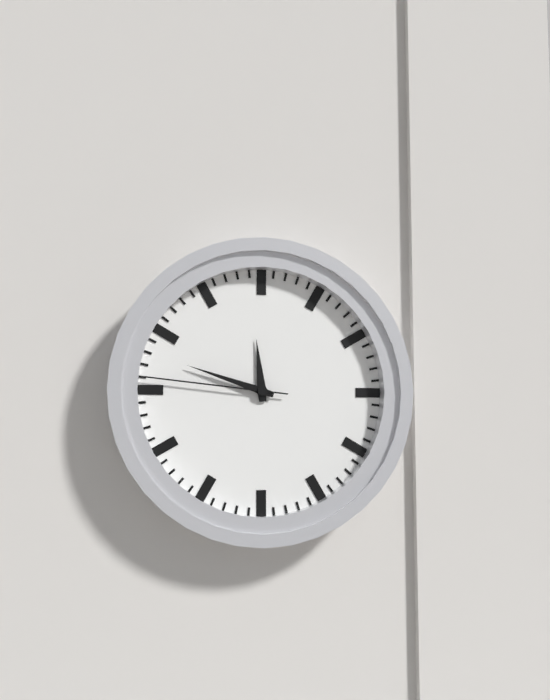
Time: 11h48m46s
